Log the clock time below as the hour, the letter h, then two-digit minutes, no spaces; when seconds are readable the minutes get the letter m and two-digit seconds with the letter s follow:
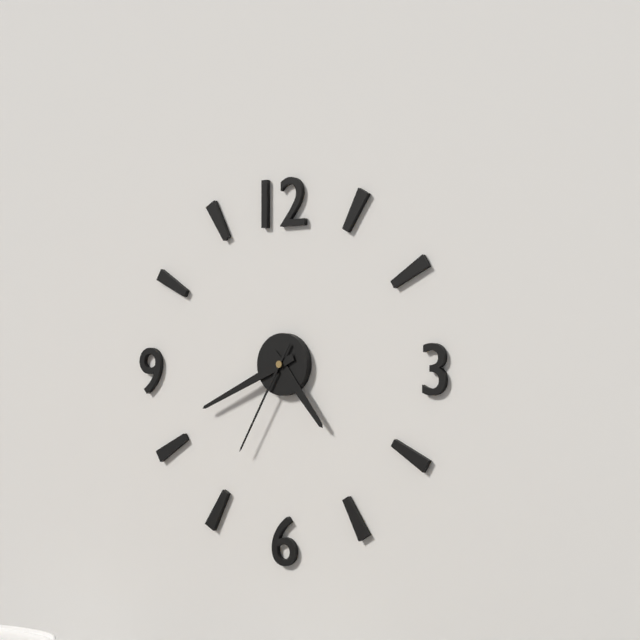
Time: 4h41m35s
